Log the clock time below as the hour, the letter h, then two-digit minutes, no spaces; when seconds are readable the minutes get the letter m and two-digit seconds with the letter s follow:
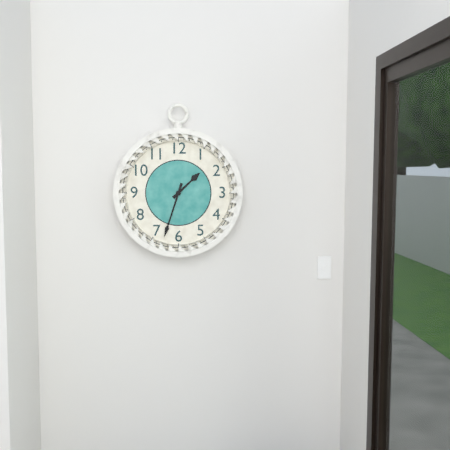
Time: 1h33
